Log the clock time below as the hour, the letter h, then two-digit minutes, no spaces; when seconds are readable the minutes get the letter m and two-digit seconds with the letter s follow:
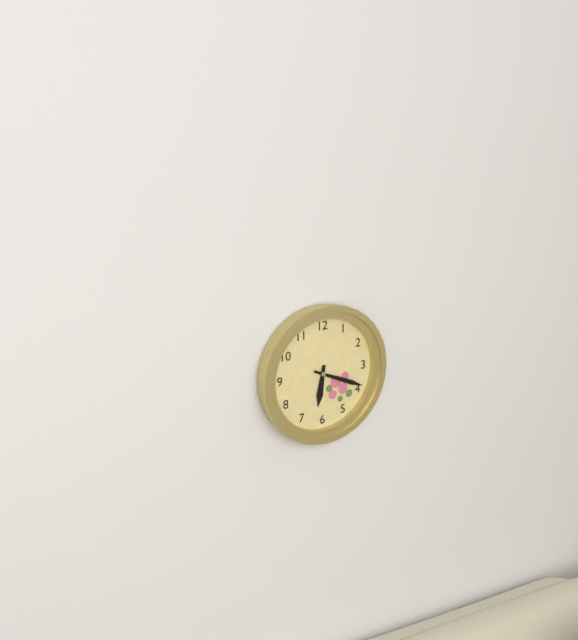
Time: 6h19
